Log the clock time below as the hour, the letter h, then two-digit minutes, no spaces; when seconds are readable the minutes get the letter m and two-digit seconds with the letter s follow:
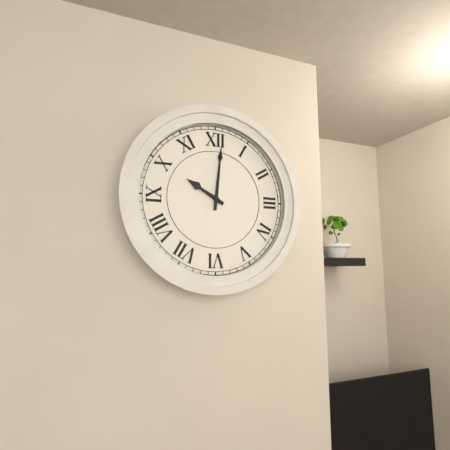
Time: 10h01
